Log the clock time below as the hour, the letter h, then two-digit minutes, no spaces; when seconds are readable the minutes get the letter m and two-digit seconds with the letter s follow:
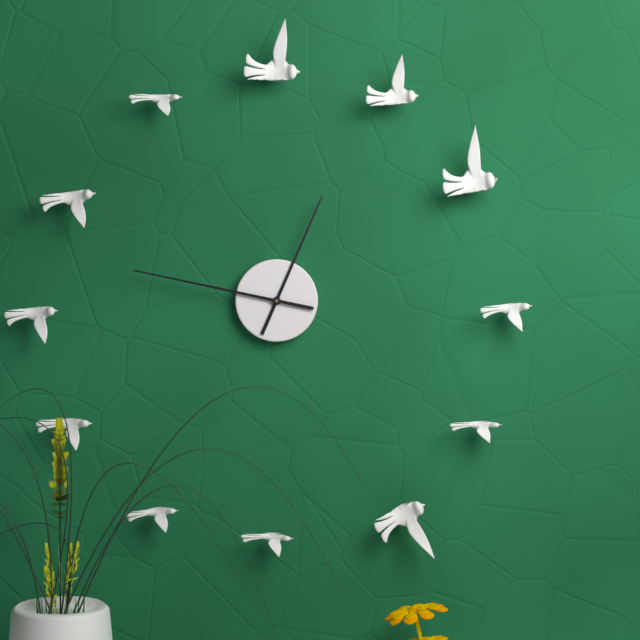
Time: 12h47
